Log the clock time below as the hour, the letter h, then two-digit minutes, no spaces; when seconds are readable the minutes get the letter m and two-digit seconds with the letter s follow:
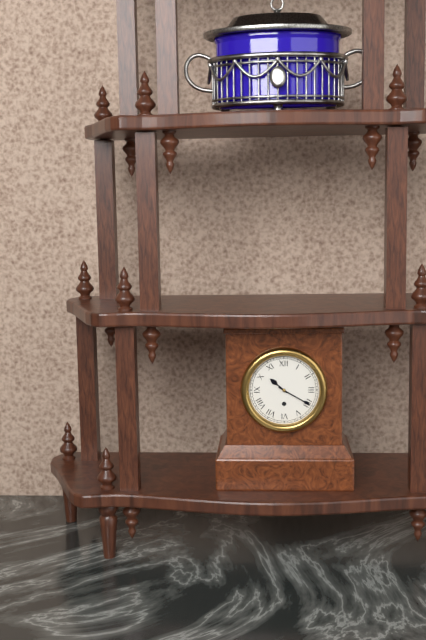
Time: 10h20
